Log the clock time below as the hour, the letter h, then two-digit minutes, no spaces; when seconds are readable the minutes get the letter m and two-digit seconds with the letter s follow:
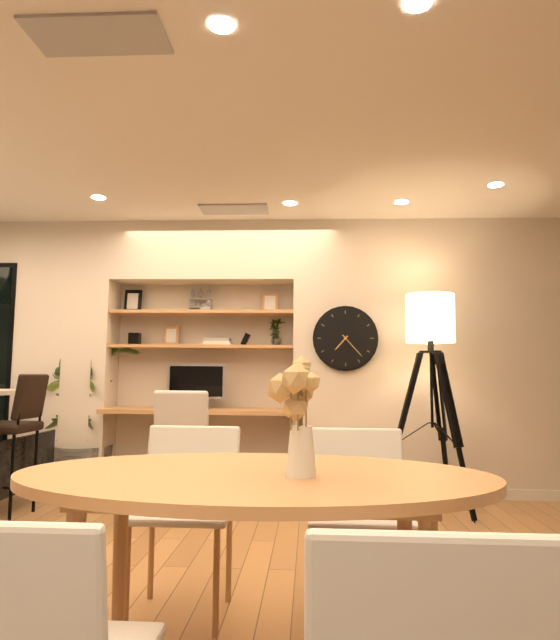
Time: 7h23
